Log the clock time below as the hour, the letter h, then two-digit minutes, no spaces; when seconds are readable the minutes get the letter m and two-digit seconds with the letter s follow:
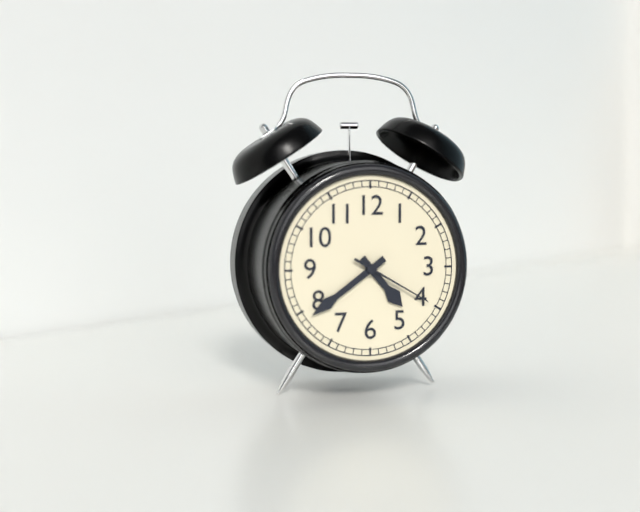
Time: 4h39m20s
